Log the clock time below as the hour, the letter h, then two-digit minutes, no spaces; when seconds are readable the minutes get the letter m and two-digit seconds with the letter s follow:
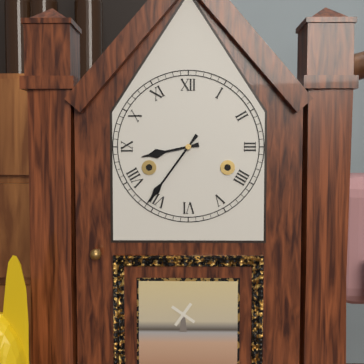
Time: 8h36
